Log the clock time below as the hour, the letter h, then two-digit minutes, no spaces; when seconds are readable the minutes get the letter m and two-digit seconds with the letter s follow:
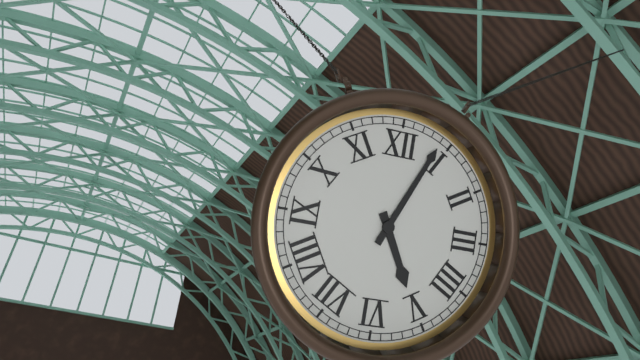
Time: 5h04
